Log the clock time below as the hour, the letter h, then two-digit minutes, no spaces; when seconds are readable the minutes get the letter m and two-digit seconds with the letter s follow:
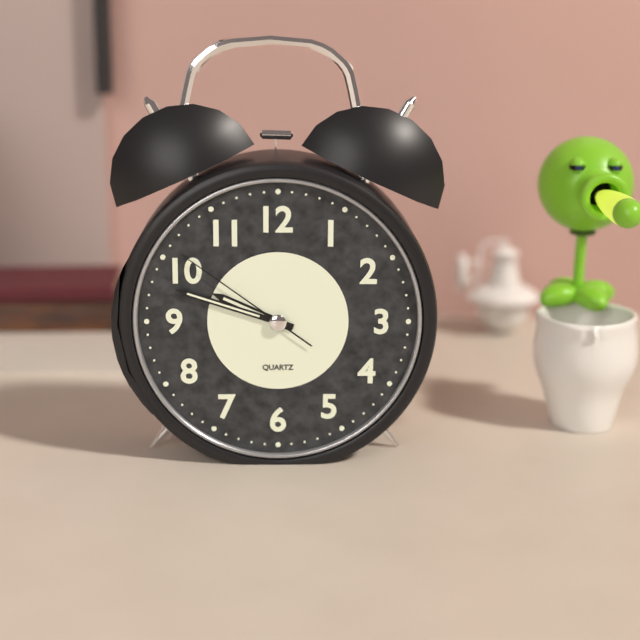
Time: 9h48m51s
